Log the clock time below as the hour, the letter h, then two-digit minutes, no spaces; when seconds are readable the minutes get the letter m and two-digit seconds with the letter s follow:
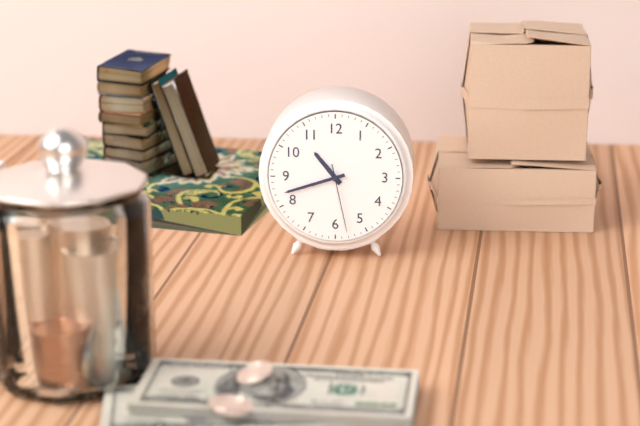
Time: 10h42m28s
